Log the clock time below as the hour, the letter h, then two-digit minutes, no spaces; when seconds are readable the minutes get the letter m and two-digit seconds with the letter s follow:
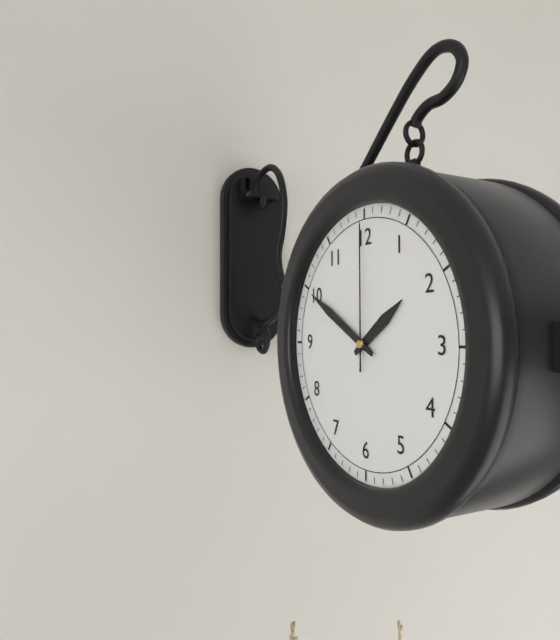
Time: 1h50m00s
